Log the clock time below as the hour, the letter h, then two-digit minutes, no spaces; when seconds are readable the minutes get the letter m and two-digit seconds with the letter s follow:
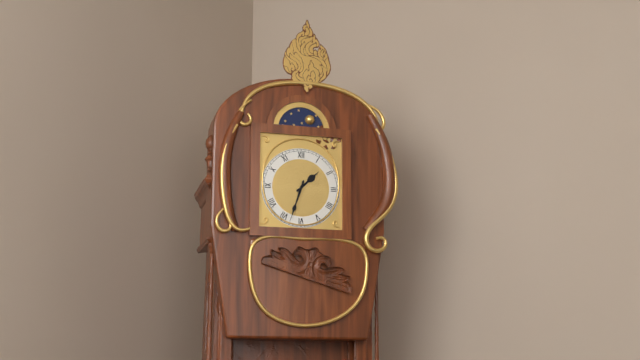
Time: 1h33
